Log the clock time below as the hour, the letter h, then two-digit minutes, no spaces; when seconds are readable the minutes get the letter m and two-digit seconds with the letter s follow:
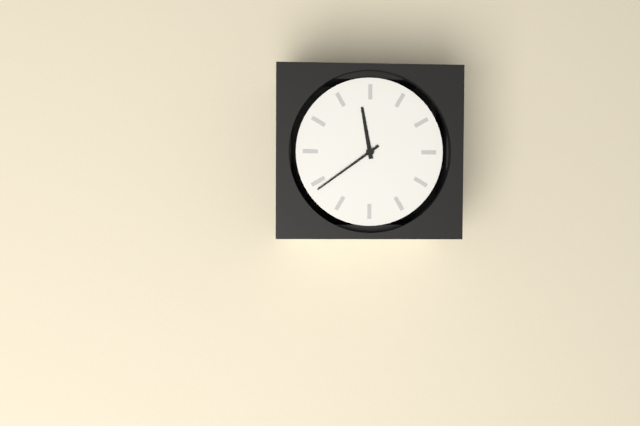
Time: 11h39
